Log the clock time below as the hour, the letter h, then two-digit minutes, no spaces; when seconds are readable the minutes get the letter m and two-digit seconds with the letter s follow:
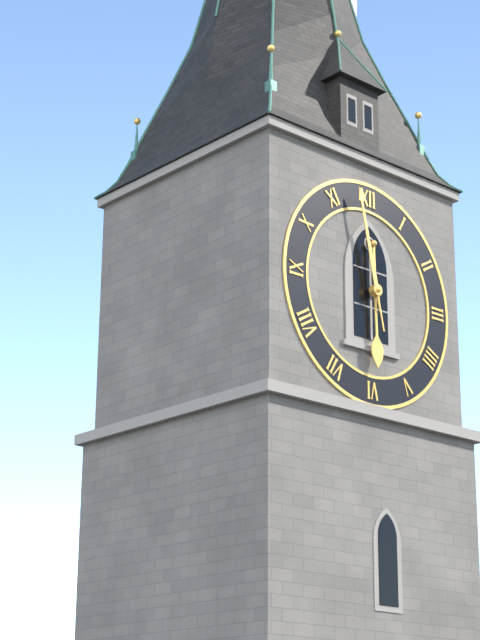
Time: 5h58
